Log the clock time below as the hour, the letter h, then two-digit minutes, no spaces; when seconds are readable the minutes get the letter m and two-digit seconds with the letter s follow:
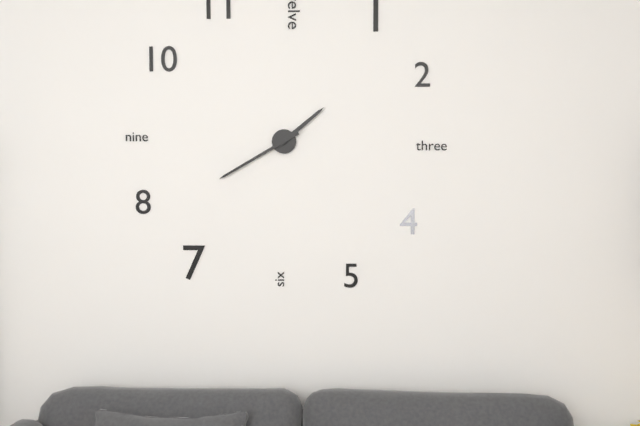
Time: 1h40
